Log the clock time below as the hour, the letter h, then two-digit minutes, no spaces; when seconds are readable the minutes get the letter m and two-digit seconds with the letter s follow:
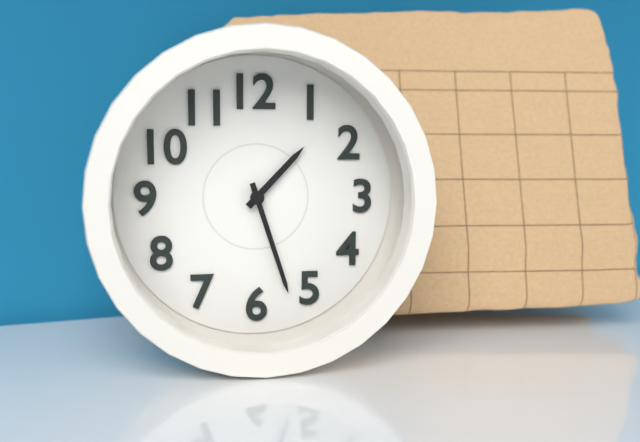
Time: 1h27
